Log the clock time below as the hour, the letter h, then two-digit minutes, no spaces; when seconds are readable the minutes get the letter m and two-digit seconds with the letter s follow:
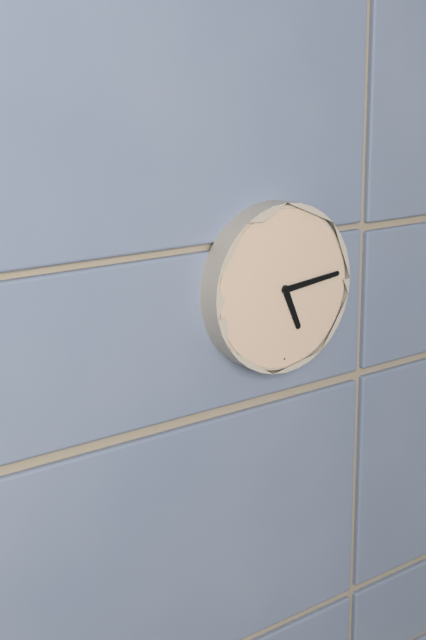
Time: 5h14
